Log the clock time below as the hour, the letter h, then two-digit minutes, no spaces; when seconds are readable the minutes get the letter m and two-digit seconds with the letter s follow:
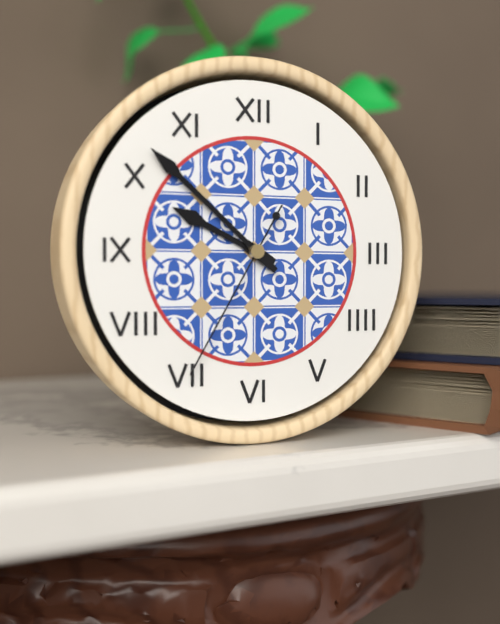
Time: 9h52m35s
